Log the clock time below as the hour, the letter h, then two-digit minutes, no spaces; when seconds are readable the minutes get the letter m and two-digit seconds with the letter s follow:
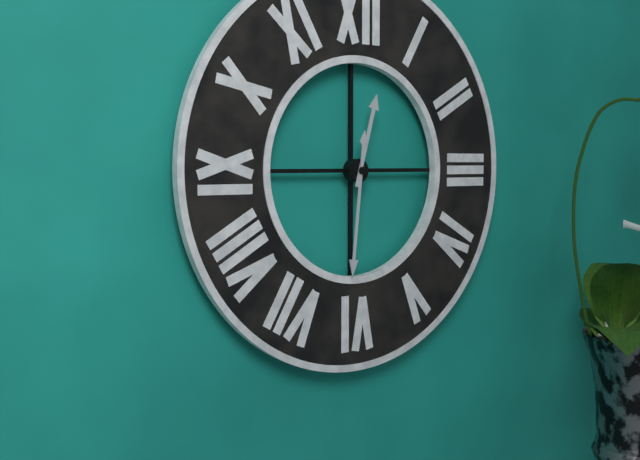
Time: 12h31
